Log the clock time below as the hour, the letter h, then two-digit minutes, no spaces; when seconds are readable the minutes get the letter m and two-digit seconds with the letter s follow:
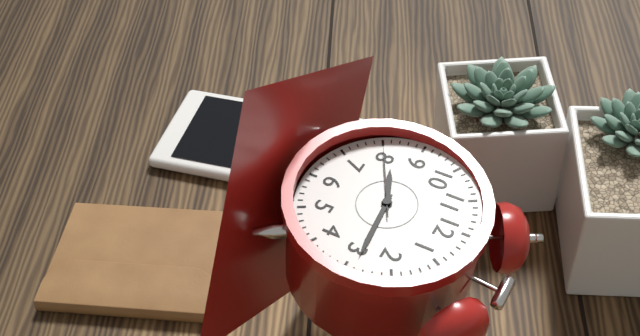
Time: 8h14m40s
